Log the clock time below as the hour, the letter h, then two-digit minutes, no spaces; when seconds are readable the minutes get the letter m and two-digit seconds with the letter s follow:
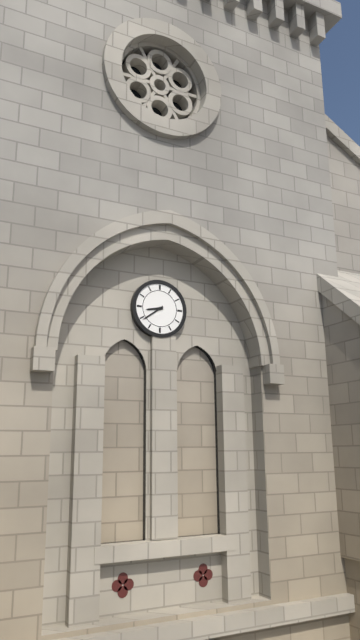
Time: 8h39
